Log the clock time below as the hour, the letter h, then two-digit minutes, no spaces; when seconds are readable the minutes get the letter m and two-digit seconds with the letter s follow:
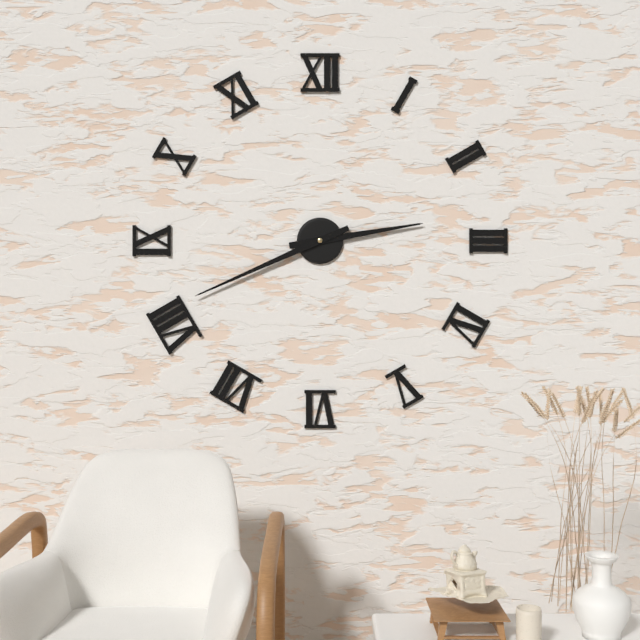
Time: 2h41
